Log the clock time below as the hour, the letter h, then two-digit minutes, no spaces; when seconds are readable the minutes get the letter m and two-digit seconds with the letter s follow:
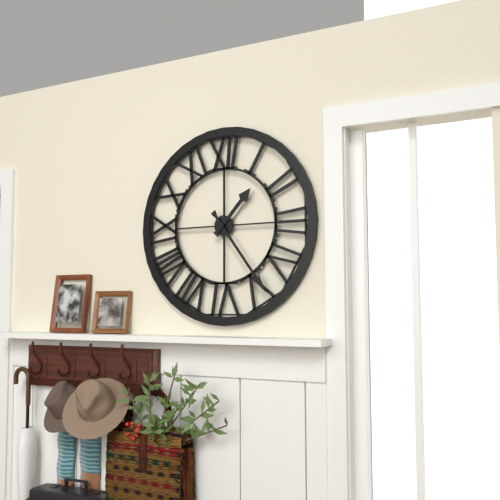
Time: 1h24
